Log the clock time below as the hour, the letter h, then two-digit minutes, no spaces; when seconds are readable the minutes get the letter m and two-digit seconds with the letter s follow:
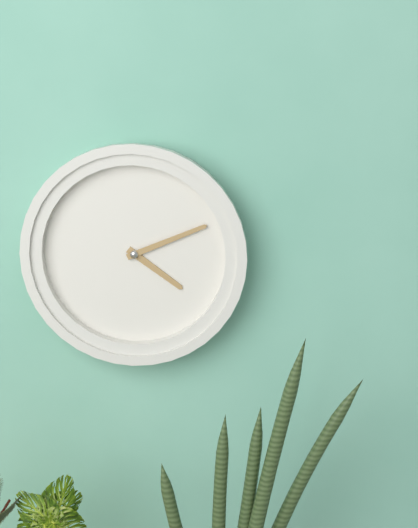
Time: 4h11
